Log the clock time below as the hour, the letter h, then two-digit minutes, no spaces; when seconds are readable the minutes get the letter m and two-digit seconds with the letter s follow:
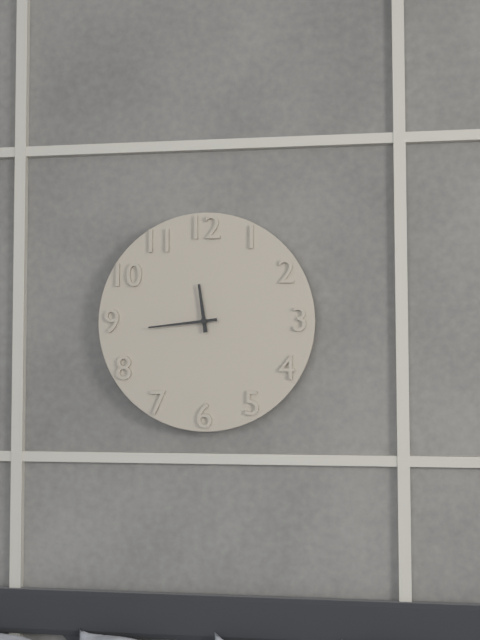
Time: 11h44
